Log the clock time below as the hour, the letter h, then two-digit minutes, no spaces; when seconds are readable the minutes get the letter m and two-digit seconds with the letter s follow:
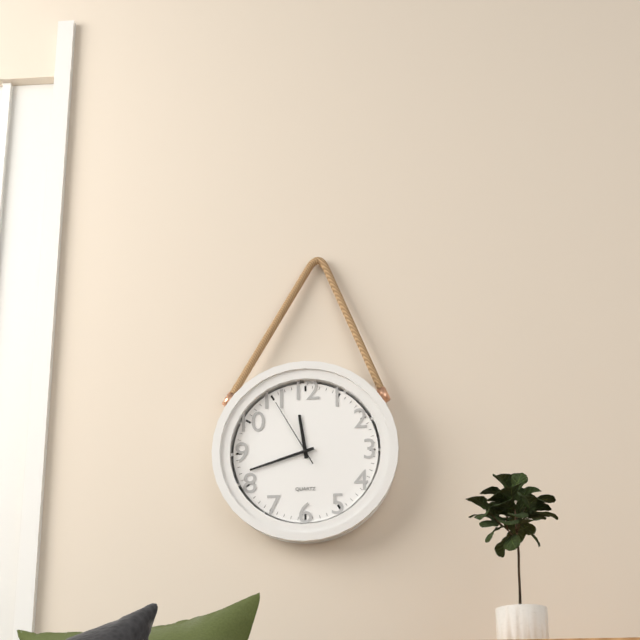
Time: 11h42m55s
